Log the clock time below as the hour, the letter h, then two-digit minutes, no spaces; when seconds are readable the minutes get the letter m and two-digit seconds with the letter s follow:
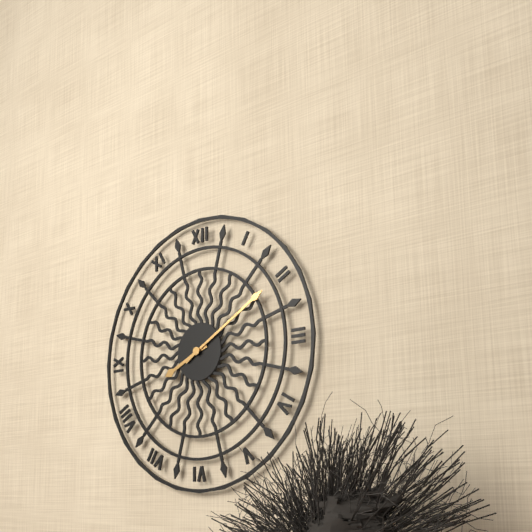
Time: 8h10
